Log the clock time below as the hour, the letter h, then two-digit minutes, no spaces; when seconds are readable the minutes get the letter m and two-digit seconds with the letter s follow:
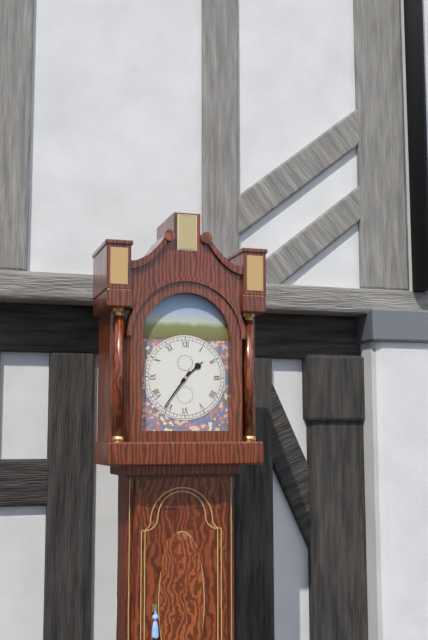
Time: 1h36
